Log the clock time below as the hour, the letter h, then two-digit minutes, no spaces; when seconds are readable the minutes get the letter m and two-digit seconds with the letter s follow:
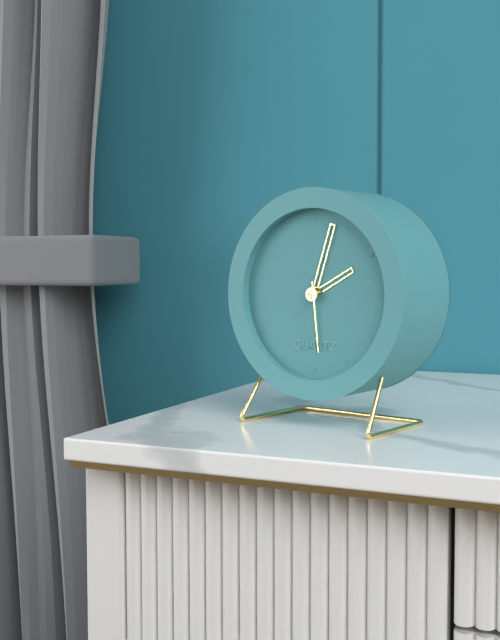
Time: 2h03m29s
